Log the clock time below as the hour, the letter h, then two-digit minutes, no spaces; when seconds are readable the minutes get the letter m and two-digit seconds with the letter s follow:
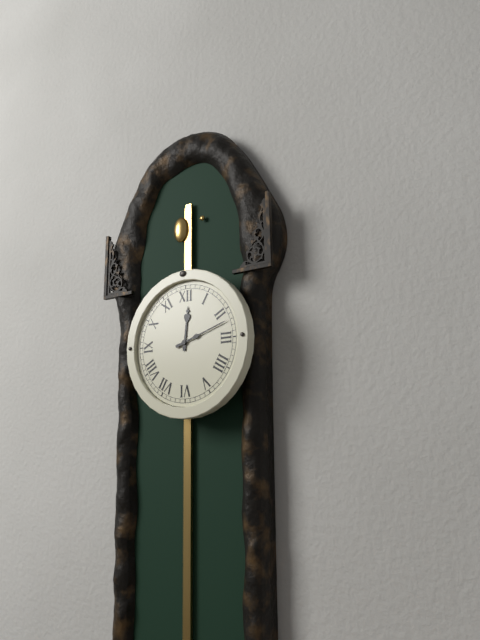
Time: 12h12
